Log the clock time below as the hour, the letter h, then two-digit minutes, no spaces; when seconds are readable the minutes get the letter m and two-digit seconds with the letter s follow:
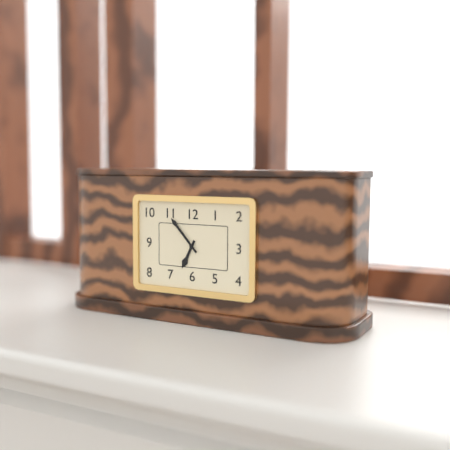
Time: 6h53
